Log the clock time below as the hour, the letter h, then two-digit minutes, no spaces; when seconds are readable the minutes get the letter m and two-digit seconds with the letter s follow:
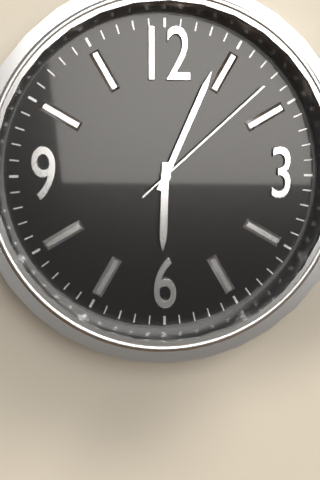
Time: 6h04m08s
